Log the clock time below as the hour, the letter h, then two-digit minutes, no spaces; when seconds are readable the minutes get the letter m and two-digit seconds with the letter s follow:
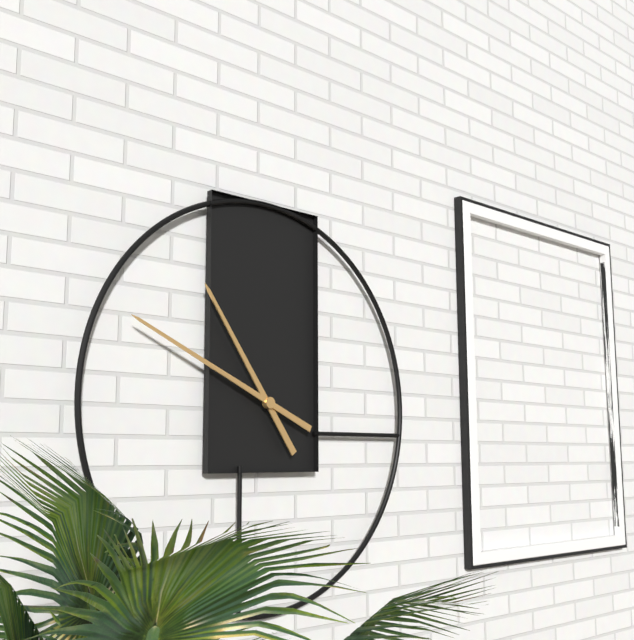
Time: 10h49
